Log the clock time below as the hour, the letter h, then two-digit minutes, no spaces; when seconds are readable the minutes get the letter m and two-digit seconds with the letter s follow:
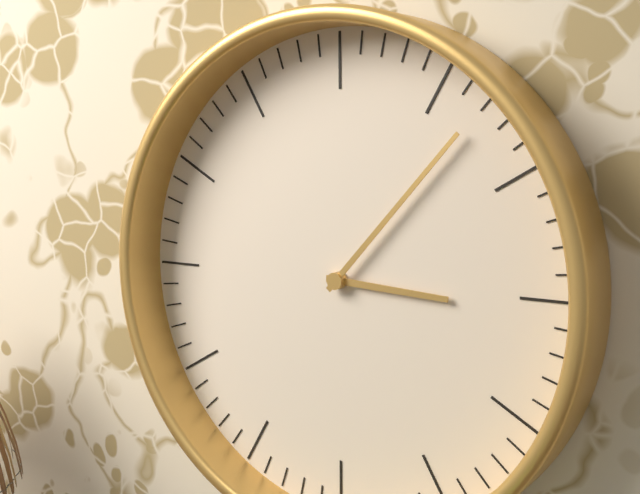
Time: 3h07
